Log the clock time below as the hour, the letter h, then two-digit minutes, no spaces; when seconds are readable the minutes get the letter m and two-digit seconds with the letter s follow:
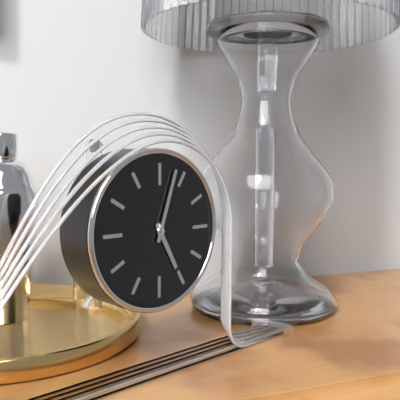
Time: 5h03
